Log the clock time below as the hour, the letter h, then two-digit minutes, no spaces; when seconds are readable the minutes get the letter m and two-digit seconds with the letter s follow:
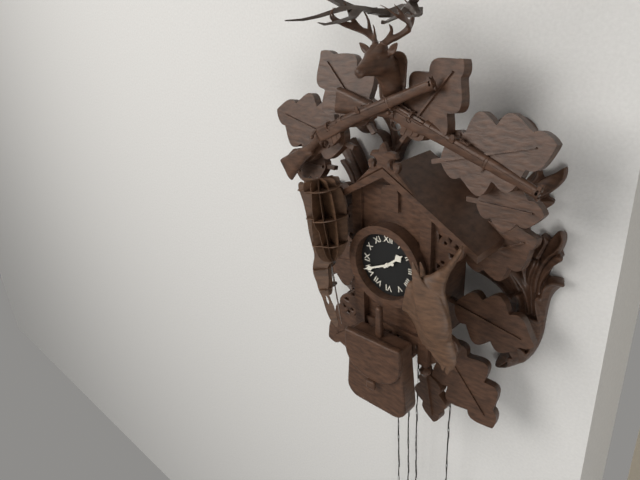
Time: 1h41
